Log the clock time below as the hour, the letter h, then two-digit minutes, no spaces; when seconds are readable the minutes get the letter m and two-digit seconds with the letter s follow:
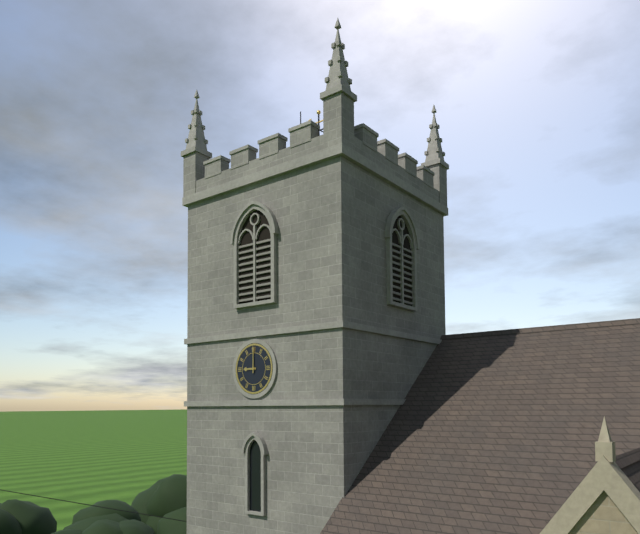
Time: 9h00
